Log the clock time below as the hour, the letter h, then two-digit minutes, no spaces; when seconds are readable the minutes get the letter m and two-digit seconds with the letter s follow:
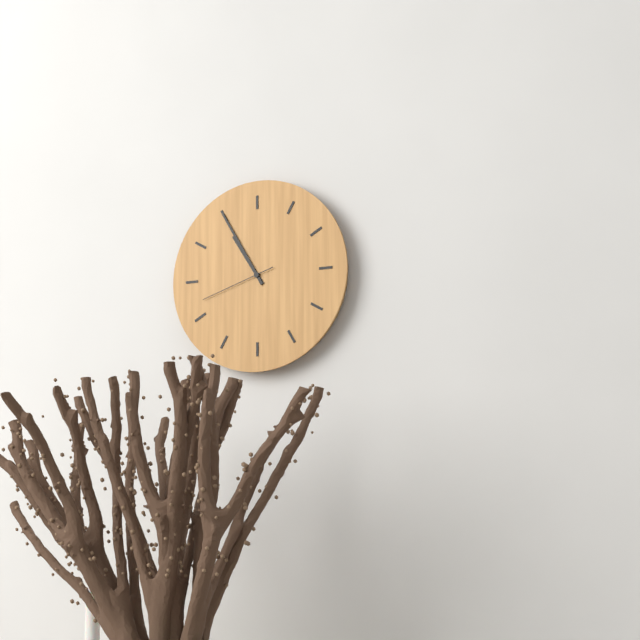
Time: 10h55m42s
